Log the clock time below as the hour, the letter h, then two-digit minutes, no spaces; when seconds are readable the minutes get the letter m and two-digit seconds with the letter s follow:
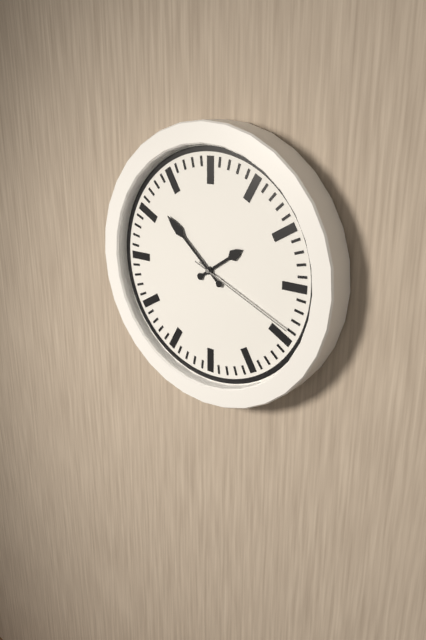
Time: 1h52m19s
